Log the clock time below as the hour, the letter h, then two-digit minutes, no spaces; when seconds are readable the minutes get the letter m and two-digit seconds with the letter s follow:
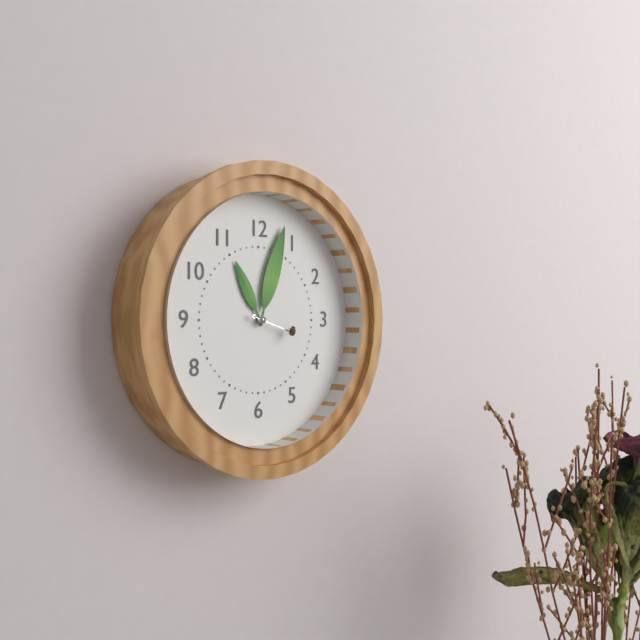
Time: 11h03
